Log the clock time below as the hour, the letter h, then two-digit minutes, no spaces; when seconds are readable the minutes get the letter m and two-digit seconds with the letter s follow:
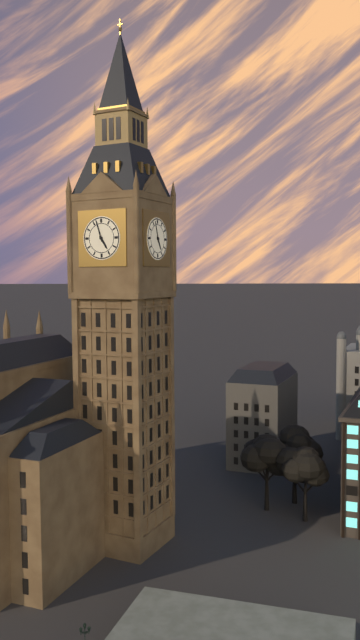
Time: 4h57
